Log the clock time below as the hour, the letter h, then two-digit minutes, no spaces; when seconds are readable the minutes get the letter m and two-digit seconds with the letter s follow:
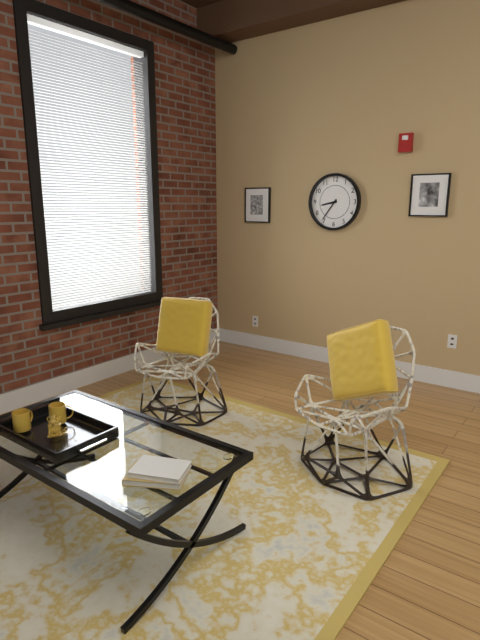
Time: 8h36
